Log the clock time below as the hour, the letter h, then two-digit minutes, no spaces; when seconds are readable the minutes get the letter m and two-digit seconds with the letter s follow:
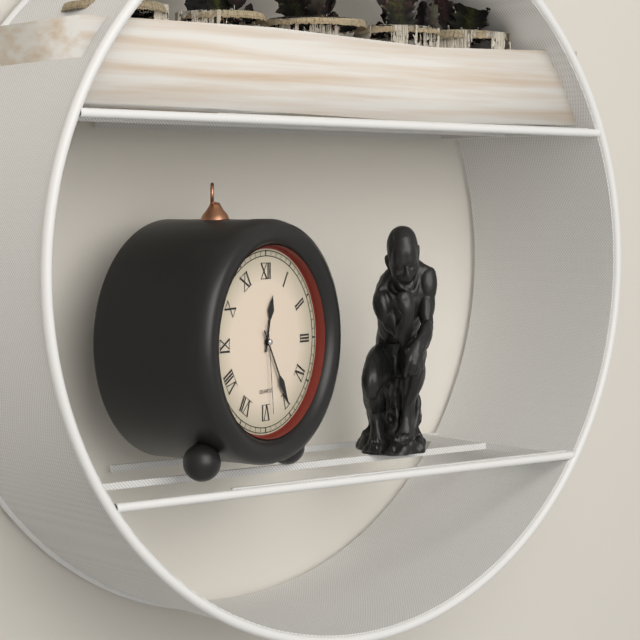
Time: 12h25m29s
